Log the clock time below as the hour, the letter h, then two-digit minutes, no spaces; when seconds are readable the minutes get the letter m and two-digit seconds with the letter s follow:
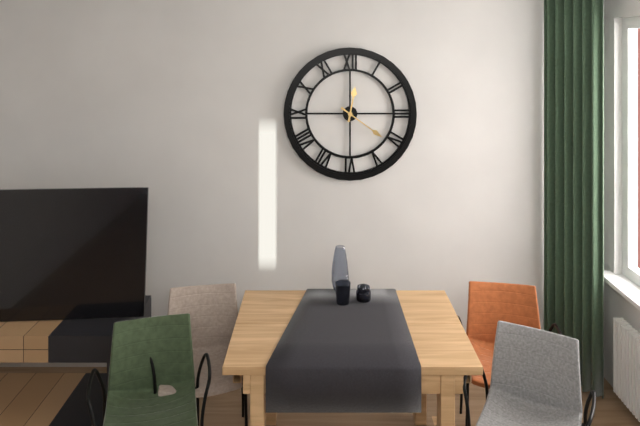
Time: 12h21
